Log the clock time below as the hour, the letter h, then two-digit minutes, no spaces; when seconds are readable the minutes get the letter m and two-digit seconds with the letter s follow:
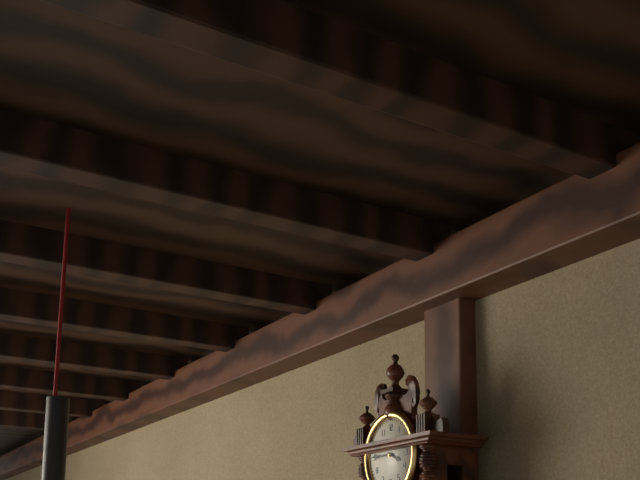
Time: 3h45
